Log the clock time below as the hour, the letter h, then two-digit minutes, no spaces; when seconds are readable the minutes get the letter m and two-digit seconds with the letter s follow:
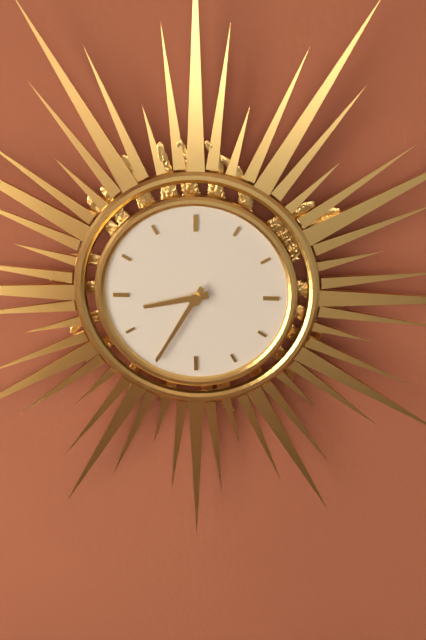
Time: 8h35
